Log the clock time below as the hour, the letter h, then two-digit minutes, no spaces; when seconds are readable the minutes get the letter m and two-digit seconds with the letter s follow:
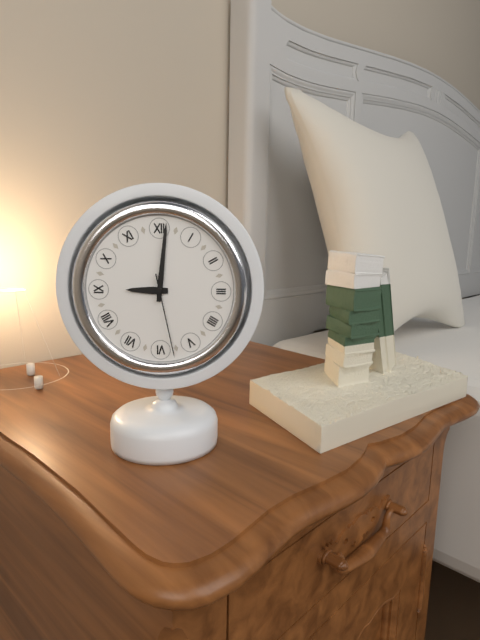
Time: 9h01m28s
